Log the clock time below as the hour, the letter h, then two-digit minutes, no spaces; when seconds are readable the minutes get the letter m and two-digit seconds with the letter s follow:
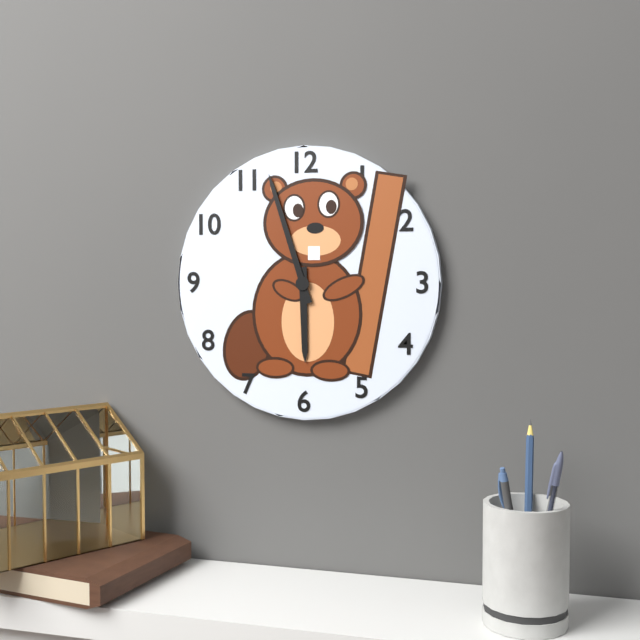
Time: 5h57
